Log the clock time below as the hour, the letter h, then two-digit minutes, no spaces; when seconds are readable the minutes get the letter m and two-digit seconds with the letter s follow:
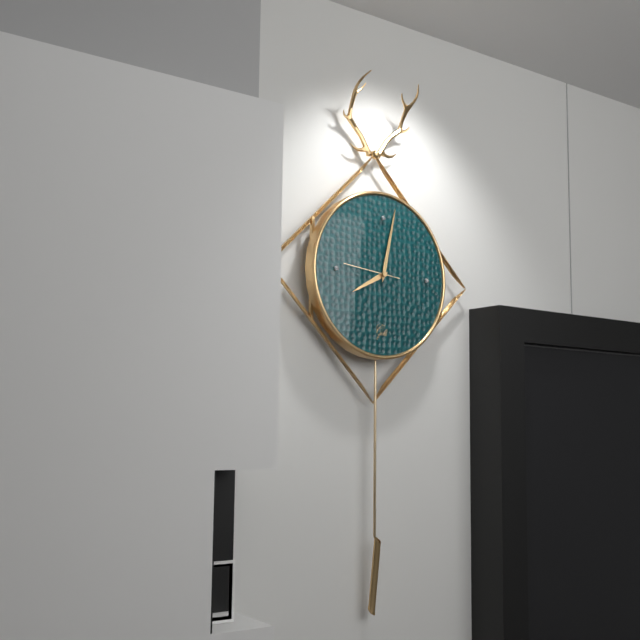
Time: 8h02m46s
